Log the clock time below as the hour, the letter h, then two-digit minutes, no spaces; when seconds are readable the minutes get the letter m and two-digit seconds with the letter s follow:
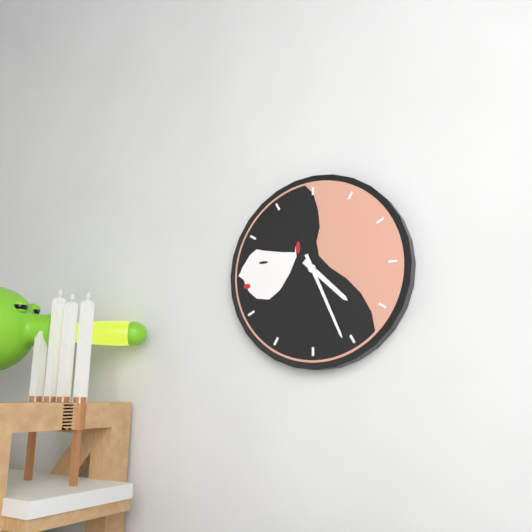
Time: 4h26
